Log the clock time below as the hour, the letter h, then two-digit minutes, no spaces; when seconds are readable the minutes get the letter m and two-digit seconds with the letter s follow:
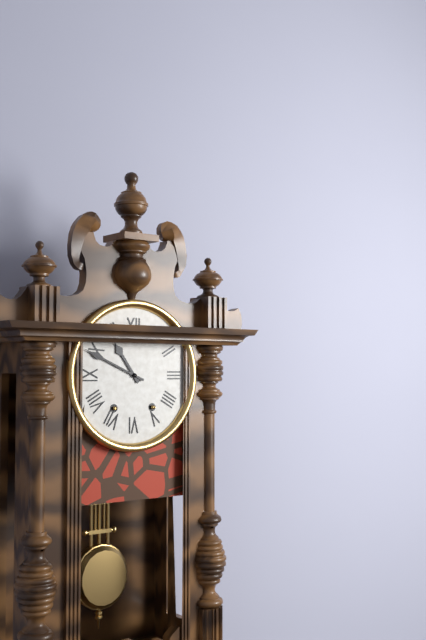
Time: 10h49
